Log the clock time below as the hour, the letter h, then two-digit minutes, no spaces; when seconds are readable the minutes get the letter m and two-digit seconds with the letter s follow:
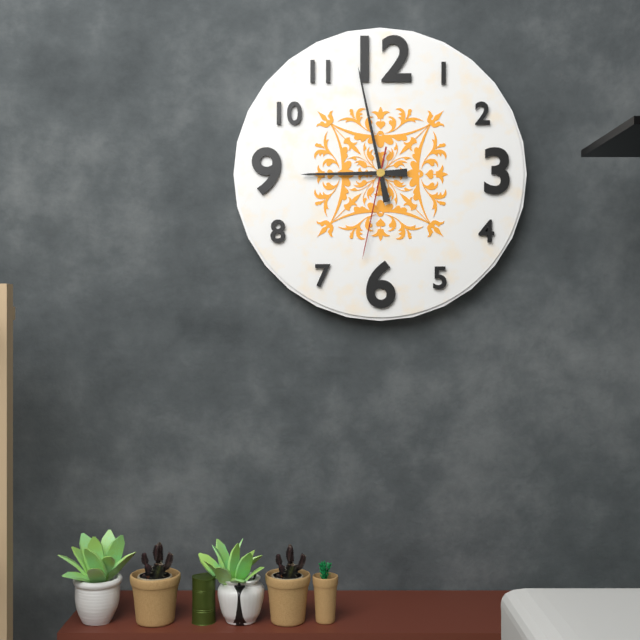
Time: 8h58m32s
